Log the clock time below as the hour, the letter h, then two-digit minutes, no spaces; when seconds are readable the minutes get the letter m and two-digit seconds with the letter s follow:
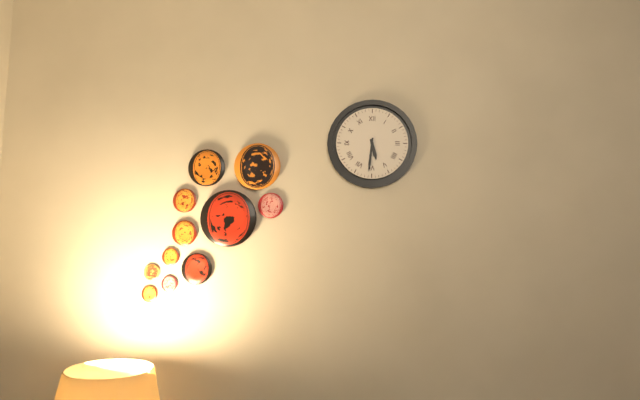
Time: 5h31
